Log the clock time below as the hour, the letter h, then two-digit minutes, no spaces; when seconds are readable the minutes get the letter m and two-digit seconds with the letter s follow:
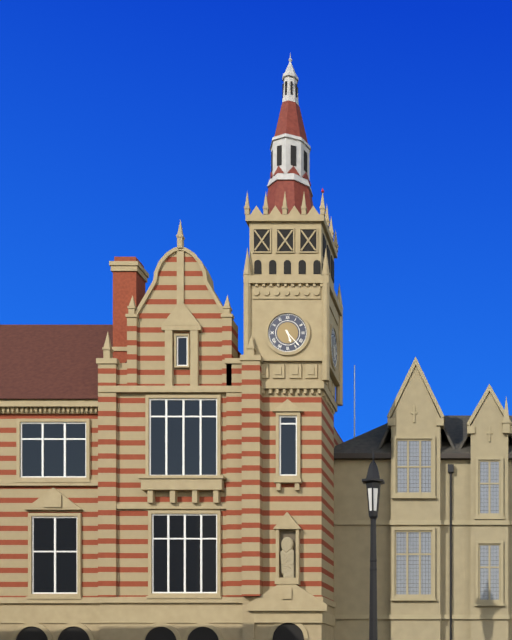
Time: 5h23
